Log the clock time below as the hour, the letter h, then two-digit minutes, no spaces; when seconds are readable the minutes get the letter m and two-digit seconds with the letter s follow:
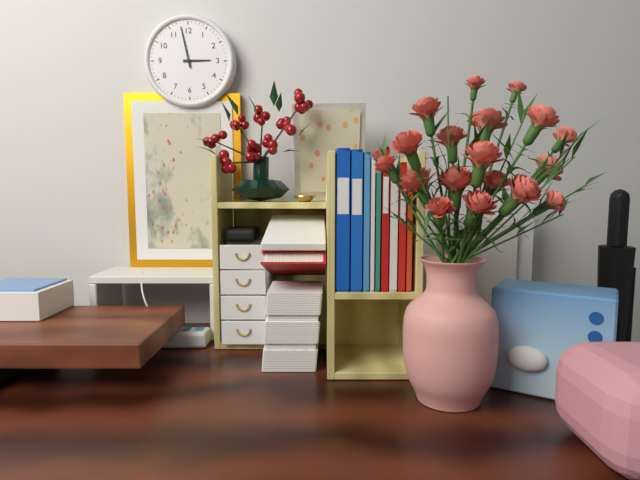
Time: 2h58
